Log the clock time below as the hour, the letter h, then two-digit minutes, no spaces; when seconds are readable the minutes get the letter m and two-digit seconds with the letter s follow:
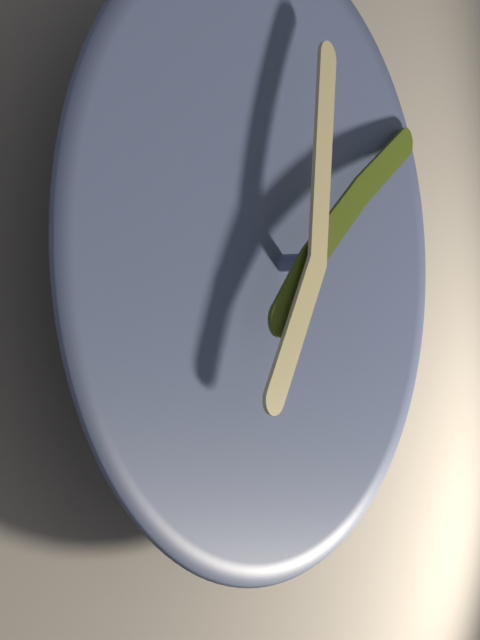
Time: 12h09
